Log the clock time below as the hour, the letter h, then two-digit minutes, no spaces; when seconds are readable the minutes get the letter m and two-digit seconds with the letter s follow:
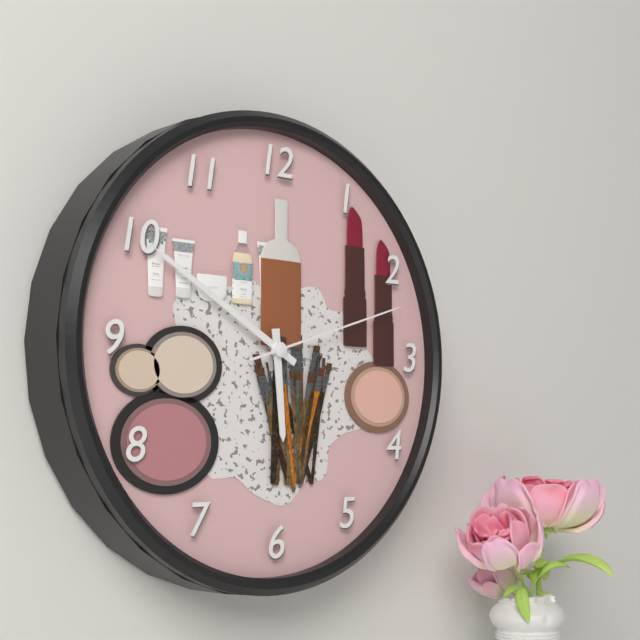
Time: 5h50m12s
